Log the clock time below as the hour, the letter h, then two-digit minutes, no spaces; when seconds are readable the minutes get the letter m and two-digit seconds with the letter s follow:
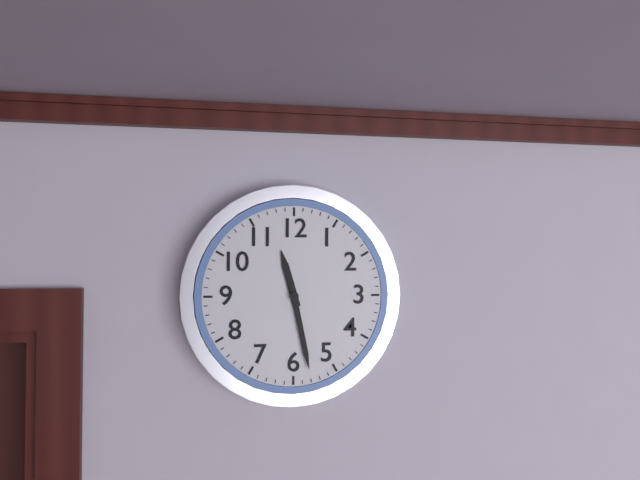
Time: 11h28
